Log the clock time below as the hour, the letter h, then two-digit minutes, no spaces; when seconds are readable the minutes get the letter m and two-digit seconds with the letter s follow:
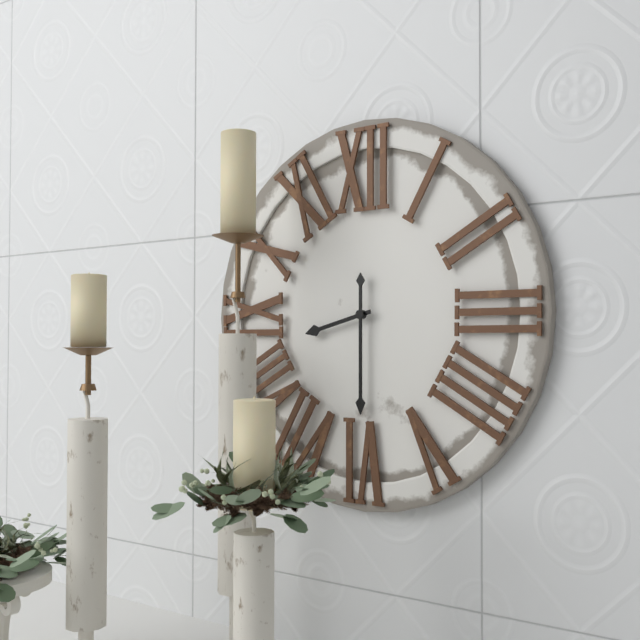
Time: 8h30
